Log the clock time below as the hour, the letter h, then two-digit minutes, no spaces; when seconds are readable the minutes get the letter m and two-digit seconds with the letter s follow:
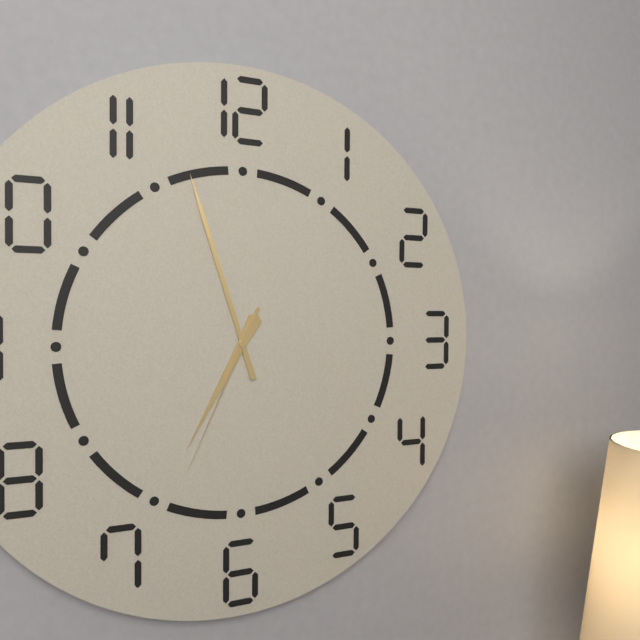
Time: 6h57m34s
